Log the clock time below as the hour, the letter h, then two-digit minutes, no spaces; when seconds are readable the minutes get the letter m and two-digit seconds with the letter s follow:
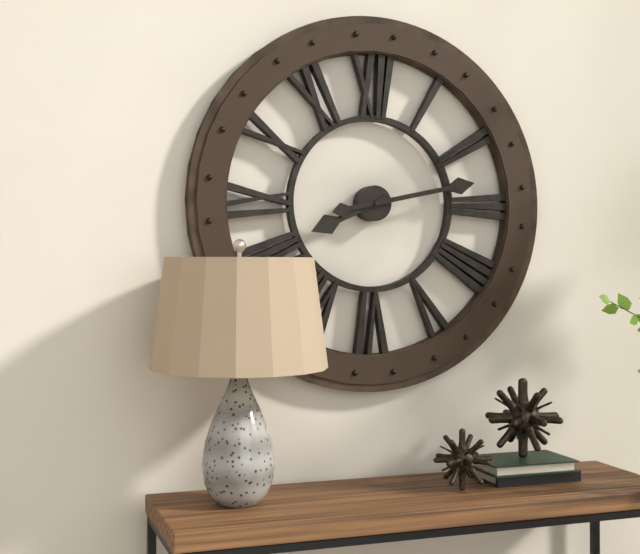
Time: 8h13
